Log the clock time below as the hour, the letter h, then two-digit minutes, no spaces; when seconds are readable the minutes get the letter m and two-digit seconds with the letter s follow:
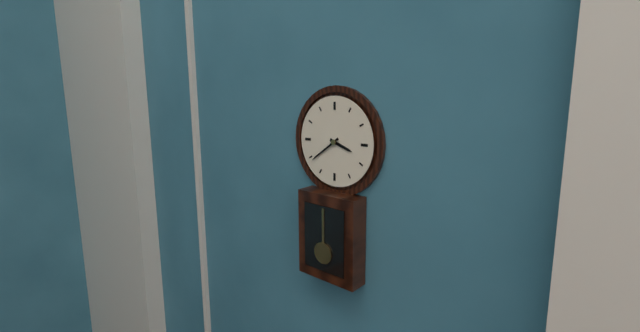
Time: 3h39
